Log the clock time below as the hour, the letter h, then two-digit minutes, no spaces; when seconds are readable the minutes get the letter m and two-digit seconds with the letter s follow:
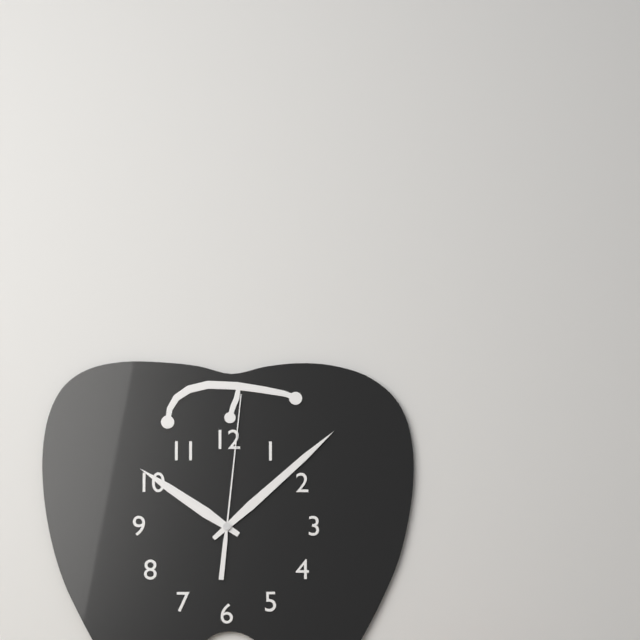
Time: 10h08m01s
